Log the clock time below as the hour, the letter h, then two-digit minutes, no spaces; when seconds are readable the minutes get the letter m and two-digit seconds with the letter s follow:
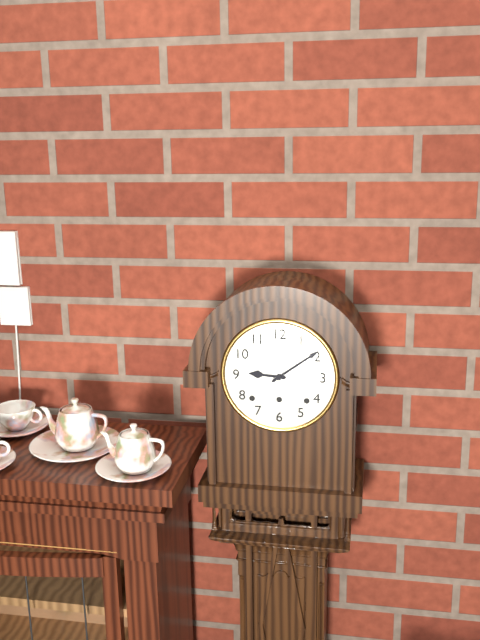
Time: 9h09
